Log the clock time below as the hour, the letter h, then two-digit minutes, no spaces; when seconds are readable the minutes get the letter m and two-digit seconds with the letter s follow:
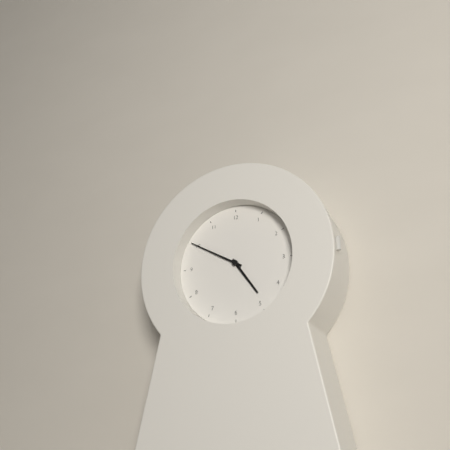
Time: 4h50
